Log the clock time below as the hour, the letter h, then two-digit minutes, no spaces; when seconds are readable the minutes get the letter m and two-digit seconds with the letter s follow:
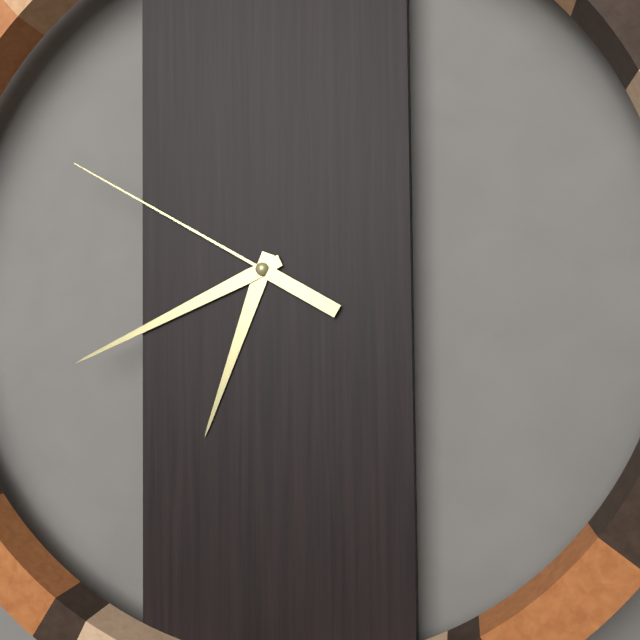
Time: 6h41m50s
